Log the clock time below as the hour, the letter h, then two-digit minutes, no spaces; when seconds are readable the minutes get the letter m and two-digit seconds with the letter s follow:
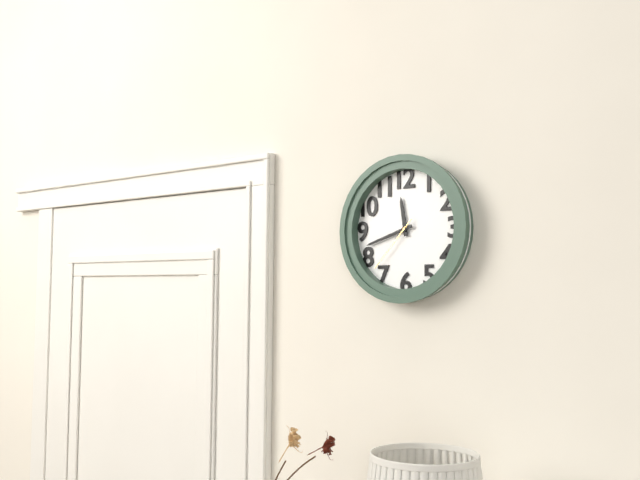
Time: 11h42m37s
